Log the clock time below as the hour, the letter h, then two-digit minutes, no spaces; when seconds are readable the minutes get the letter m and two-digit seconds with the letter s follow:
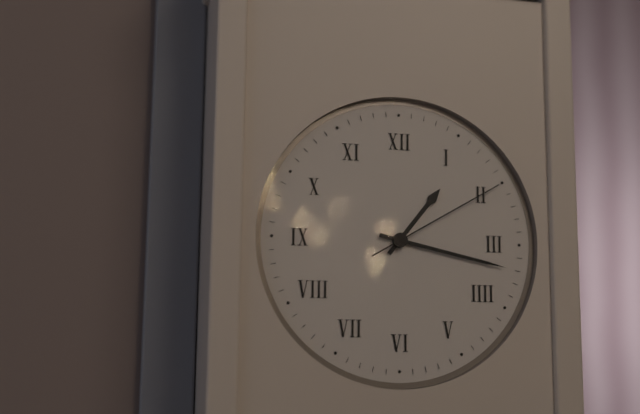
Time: 1h17m10s
